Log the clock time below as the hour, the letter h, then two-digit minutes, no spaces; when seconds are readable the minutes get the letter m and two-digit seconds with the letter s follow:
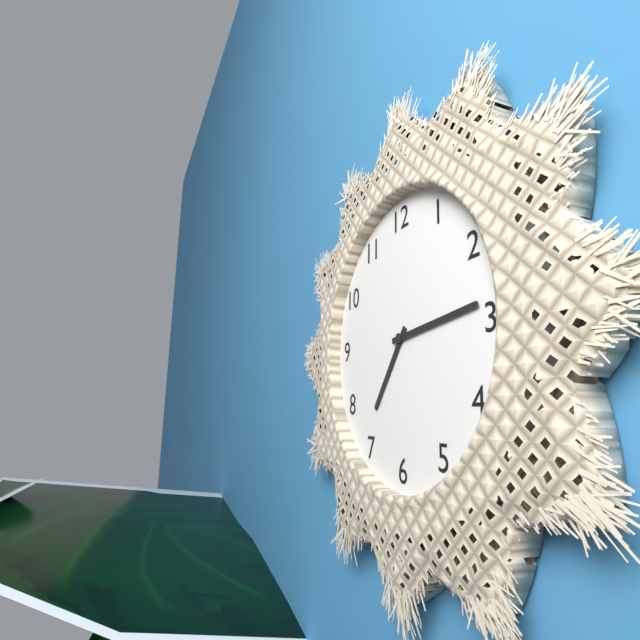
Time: 7h14
